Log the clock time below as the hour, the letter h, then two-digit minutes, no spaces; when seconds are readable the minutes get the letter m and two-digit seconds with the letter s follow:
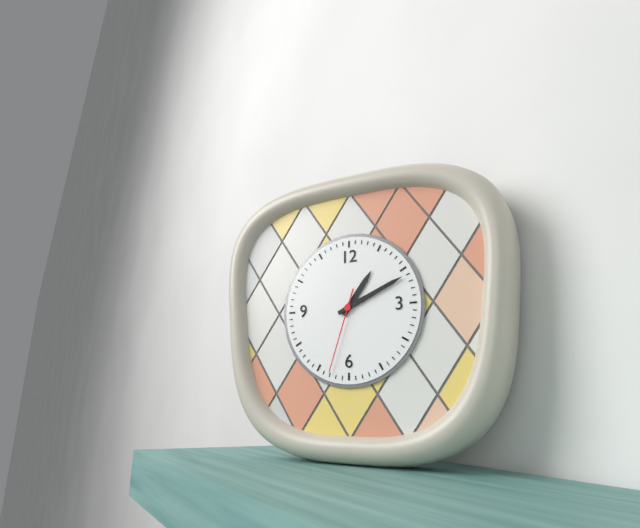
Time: 1h11m33s
